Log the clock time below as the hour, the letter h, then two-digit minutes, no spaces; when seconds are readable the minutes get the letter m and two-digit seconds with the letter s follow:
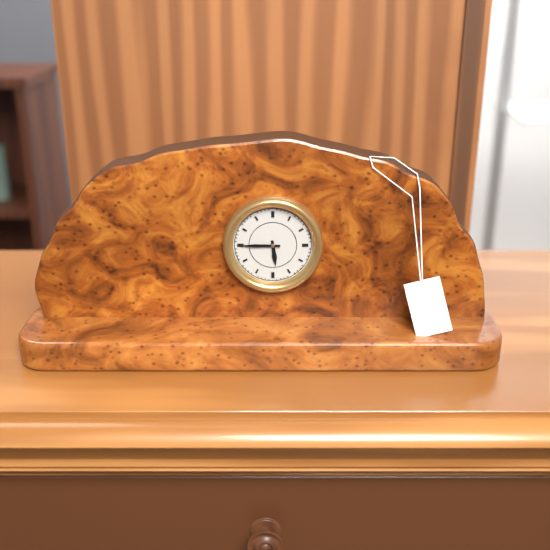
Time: 5h45
